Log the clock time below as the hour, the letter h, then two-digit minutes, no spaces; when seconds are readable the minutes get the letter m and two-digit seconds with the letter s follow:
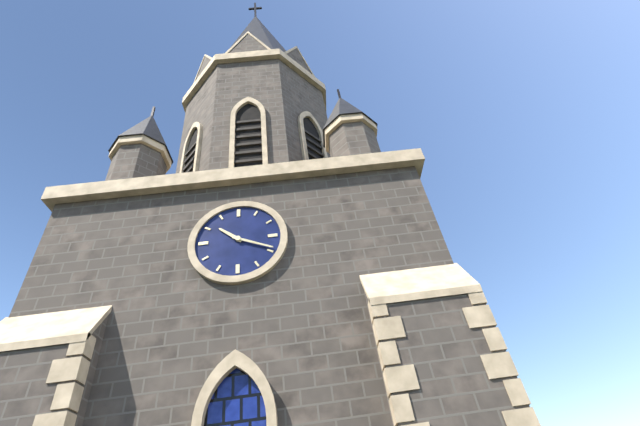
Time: 10h19
